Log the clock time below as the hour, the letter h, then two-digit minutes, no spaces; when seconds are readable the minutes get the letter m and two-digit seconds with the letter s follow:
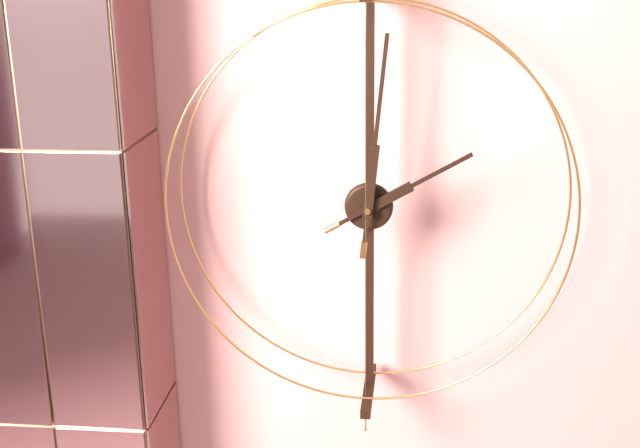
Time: 2h01
